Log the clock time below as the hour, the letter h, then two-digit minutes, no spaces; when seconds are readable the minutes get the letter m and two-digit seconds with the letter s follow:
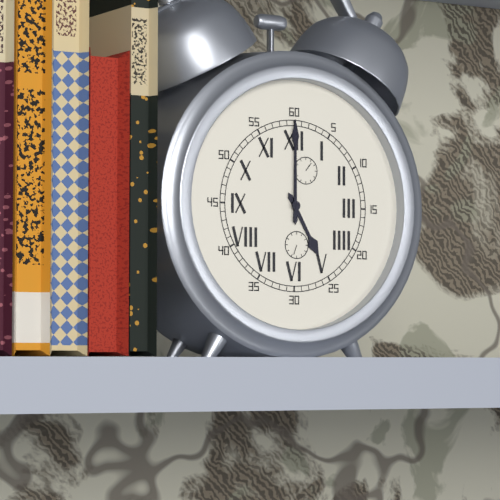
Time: 5h00
